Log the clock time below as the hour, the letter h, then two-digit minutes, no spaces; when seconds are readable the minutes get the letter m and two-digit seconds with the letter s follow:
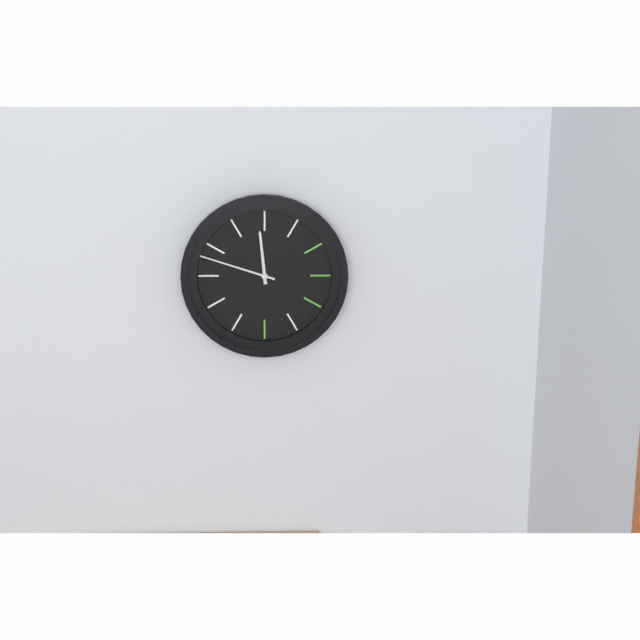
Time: 11h48
